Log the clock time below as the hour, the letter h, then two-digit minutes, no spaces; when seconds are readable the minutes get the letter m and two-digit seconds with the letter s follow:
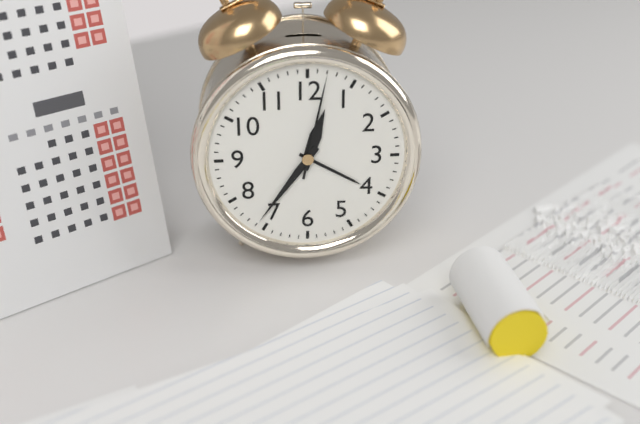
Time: 12h36m02s
